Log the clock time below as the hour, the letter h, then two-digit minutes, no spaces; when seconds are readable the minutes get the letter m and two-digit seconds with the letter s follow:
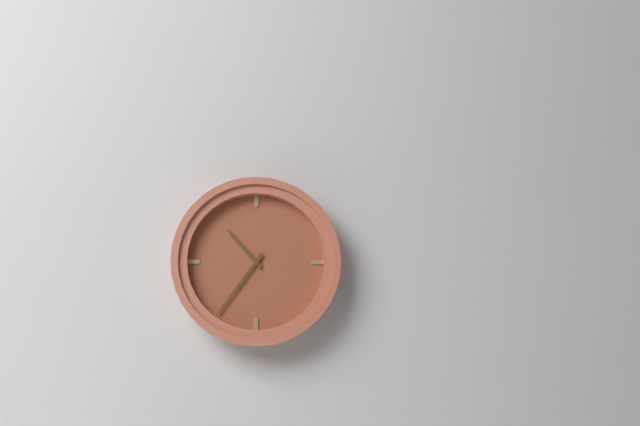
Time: 10h36
